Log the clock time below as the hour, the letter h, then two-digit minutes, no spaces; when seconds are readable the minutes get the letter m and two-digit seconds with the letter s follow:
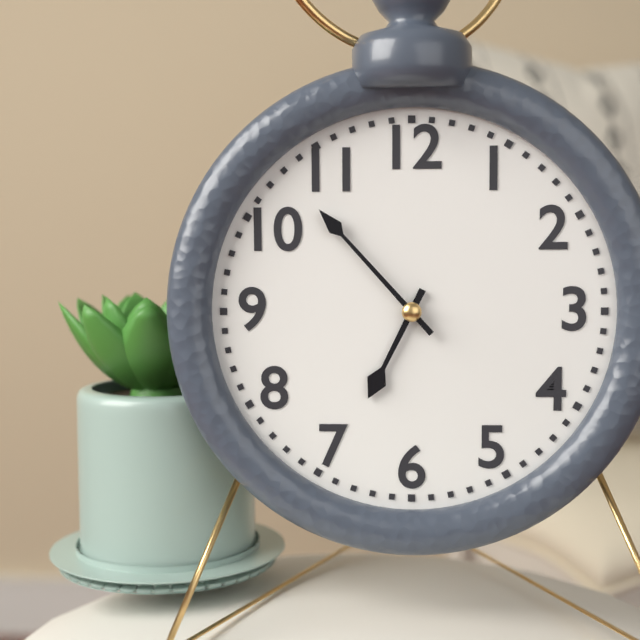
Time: 6h53
